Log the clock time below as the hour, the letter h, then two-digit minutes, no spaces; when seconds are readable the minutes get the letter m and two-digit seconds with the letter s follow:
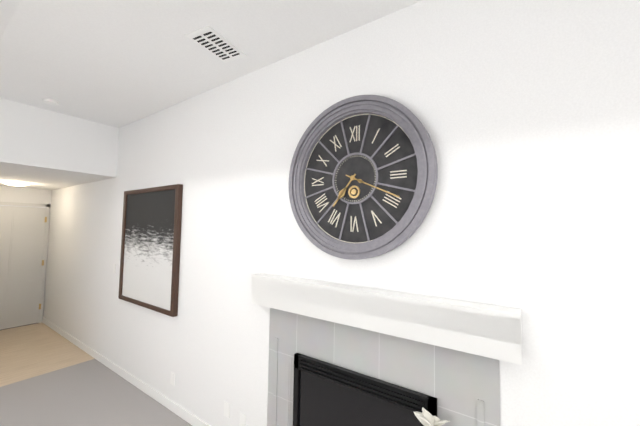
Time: 7h19
